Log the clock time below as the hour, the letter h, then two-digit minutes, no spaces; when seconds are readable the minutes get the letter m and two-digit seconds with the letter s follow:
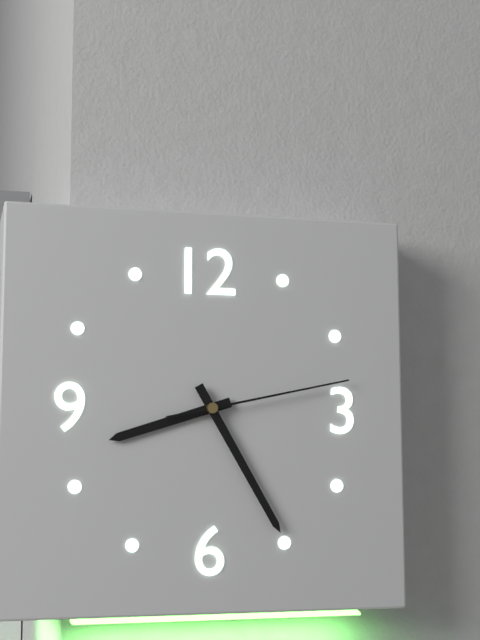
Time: 8h25m13s
